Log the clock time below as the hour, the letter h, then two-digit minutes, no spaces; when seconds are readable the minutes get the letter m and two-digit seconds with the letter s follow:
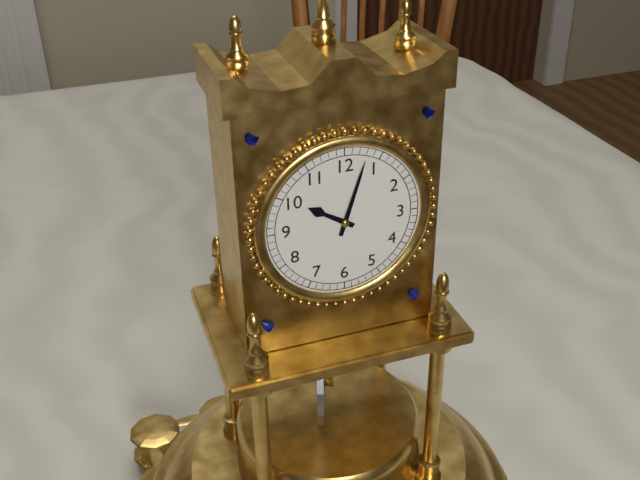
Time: 10h03
